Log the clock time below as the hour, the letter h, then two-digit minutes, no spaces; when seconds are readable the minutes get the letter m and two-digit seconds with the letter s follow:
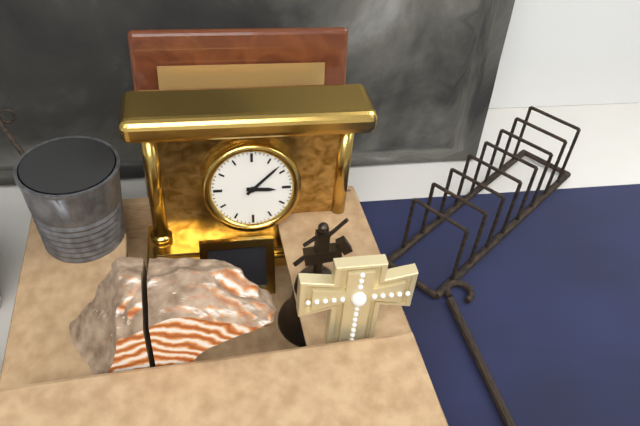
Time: 3h08
